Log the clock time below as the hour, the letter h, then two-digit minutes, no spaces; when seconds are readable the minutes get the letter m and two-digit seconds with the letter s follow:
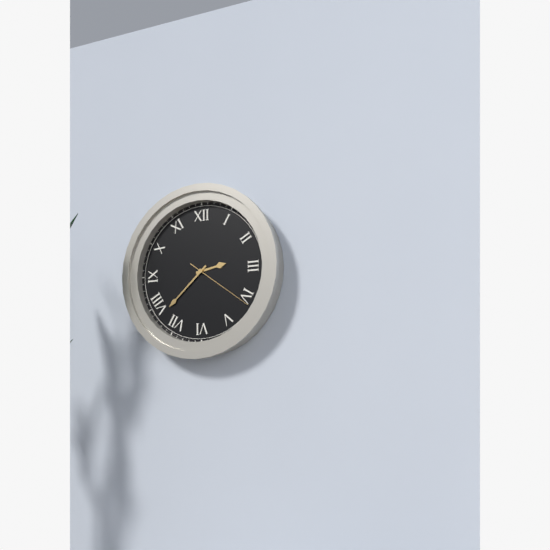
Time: 2h38m21s
